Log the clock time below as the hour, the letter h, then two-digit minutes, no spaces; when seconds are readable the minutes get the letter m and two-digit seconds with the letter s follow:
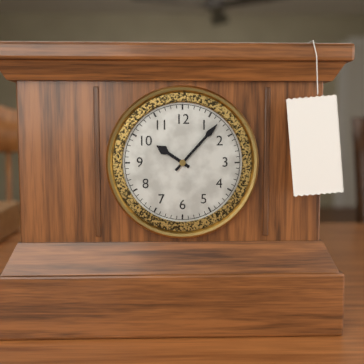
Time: 10h07
